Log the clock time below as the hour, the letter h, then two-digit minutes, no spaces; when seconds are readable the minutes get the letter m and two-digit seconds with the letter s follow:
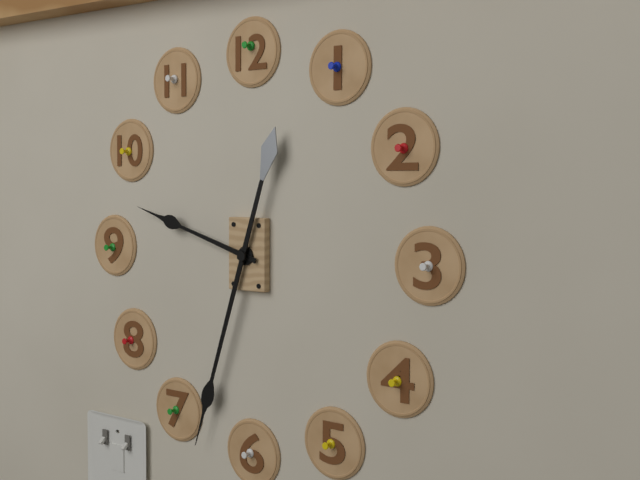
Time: 9h33
